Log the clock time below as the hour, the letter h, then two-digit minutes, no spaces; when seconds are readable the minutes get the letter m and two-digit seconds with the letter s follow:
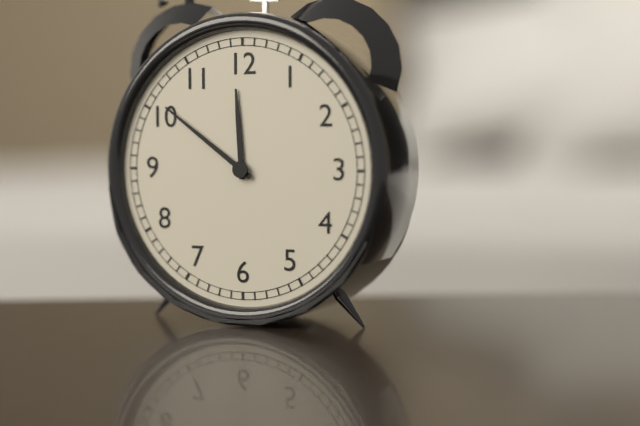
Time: 11h51
